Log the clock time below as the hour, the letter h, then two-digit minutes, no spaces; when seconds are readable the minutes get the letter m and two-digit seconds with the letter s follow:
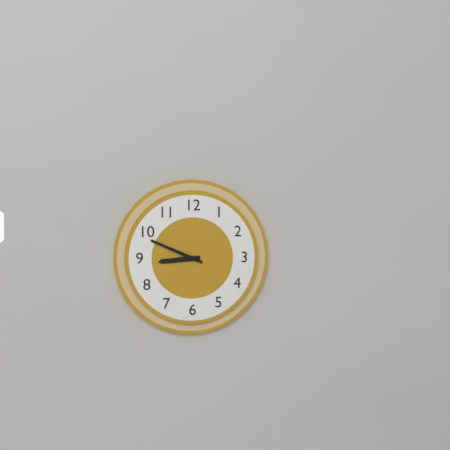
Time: 8h49
